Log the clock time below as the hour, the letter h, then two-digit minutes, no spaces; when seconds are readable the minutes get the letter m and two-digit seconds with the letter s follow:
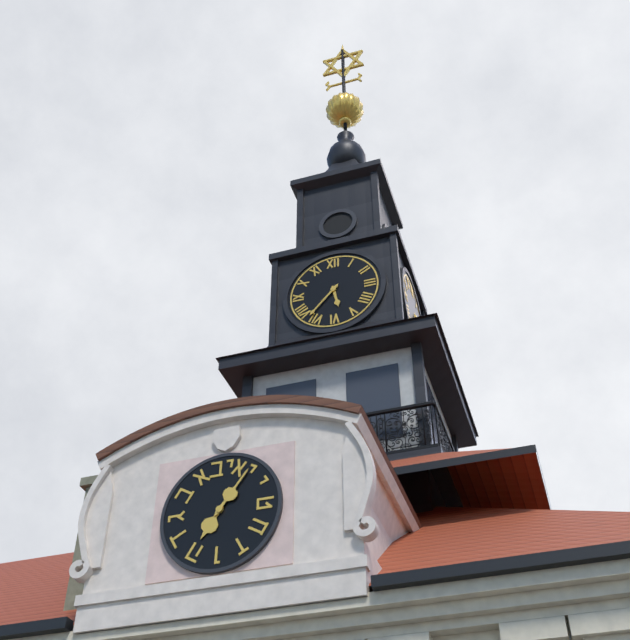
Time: 5h37
